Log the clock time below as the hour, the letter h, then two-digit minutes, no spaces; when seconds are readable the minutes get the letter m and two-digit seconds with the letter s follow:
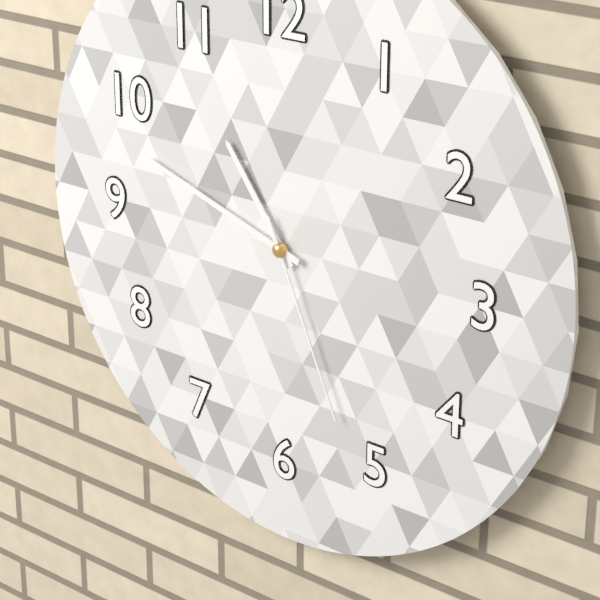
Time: 10h48m26s
